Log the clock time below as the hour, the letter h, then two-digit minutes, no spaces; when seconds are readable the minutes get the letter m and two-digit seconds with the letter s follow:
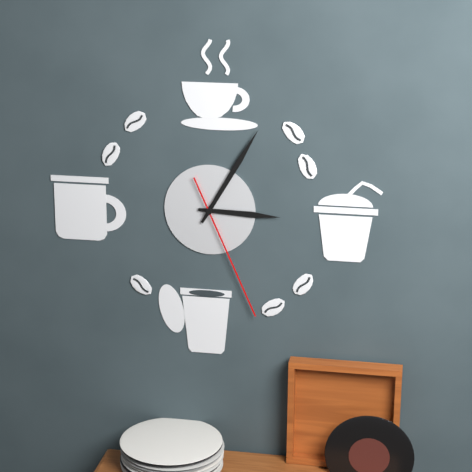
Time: 3h05m26s
